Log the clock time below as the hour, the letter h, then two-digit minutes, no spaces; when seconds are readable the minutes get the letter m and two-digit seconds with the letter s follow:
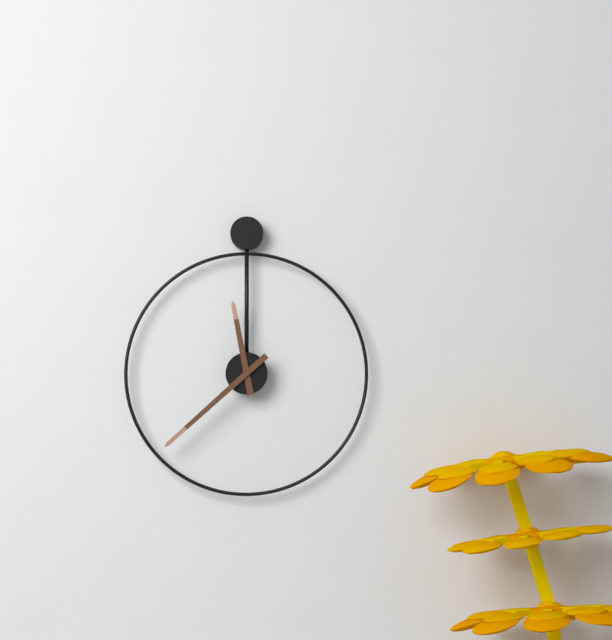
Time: 11h38
